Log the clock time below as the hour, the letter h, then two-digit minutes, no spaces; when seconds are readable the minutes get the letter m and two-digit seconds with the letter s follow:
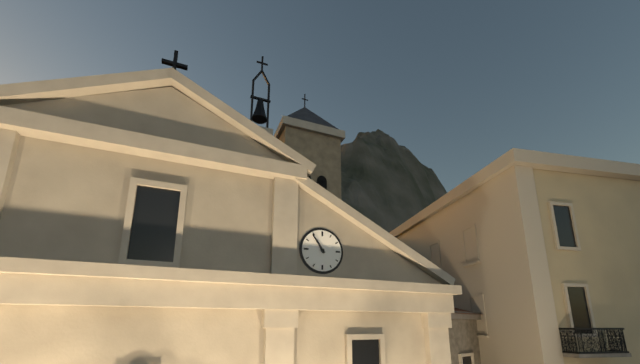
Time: 10h54
